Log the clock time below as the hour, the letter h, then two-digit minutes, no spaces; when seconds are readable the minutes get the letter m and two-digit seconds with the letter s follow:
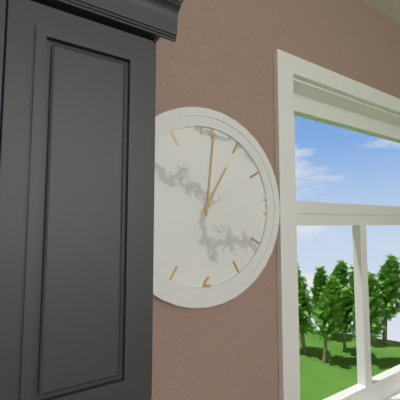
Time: 1h01
